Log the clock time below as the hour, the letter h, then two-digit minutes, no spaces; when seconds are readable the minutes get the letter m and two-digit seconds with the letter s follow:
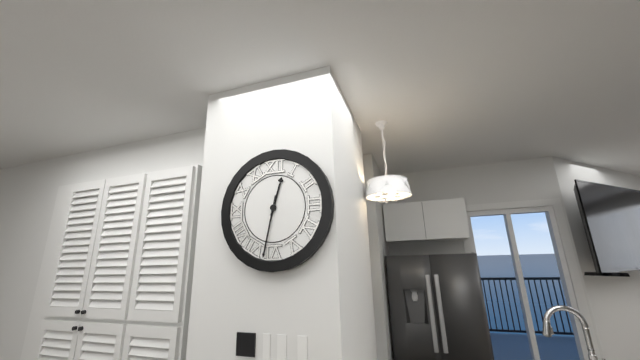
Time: 12h32
